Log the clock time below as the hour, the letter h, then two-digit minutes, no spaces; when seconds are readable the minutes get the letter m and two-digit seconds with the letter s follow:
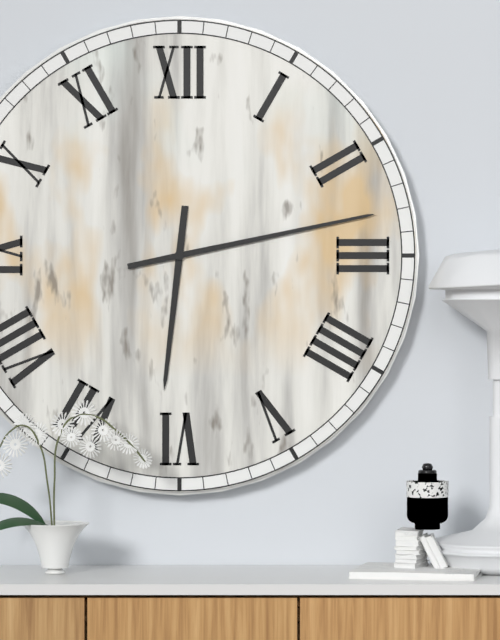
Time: 6h13
